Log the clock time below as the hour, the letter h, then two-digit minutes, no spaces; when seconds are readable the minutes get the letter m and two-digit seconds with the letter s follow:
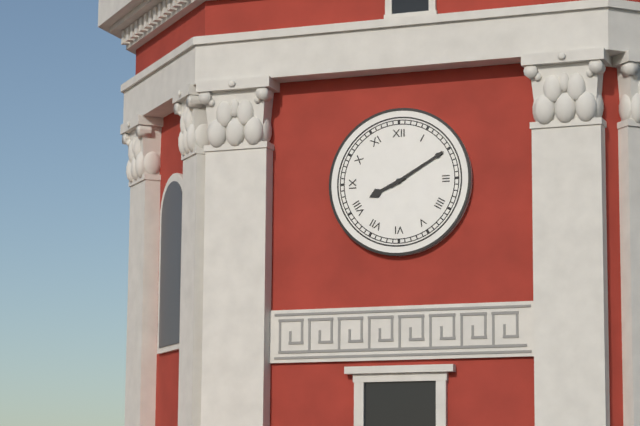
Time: 8h10
